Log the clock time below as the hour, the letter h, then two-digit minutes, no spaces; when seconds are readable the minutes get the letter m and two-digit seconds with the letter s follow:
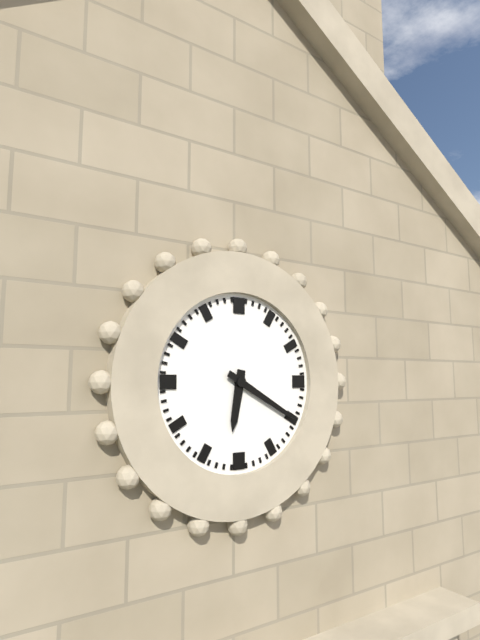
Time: 6h20
